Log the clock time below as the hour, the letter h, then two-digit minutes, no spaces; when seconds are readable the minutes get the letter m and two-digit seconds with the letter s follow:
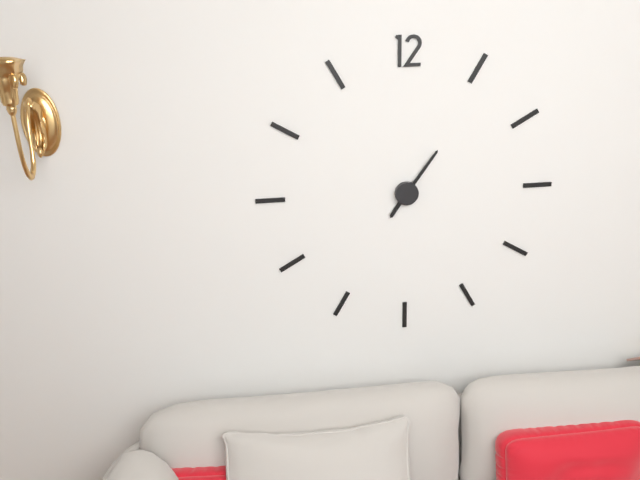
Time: 7h06
